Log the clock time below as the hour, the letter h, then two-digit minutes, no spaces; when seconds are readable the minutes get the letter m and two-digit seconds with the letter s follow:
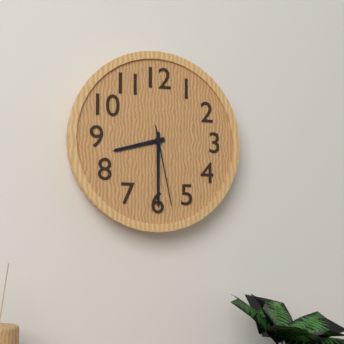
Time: 8h30m28s
